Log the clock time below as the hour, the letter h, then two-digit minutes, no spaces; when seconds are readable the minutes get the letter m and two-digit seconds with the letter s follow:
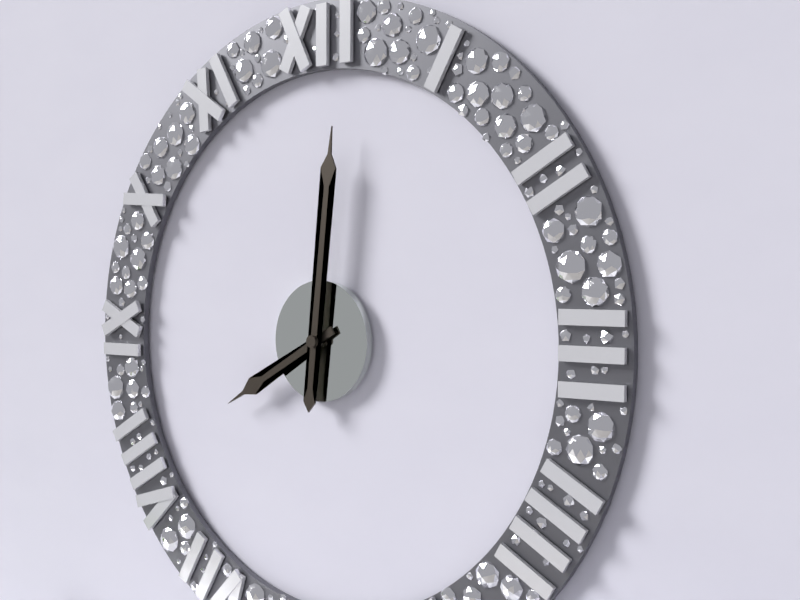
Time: 8h01
